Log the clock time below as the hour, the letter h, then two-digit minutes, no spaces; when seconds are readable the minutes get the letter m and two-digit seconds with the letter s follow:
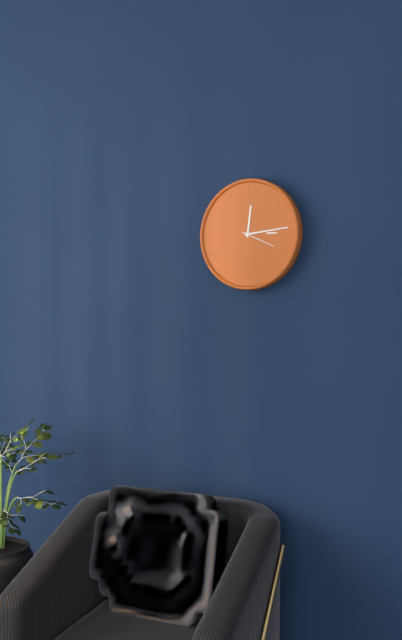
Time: 12h14
